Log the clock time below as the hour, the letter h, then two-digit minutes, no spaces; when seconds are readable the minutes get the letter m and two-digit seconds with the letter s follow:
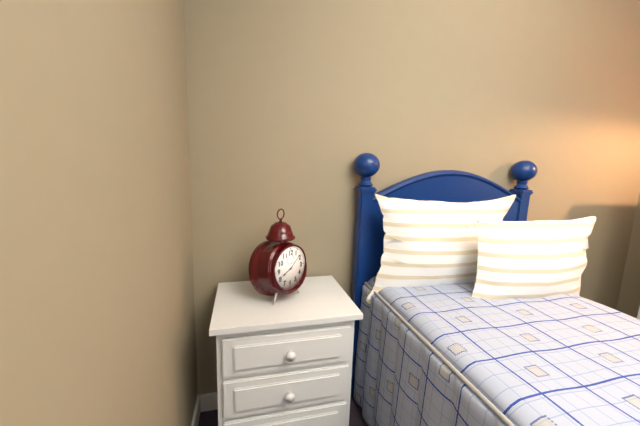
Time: 8h08
